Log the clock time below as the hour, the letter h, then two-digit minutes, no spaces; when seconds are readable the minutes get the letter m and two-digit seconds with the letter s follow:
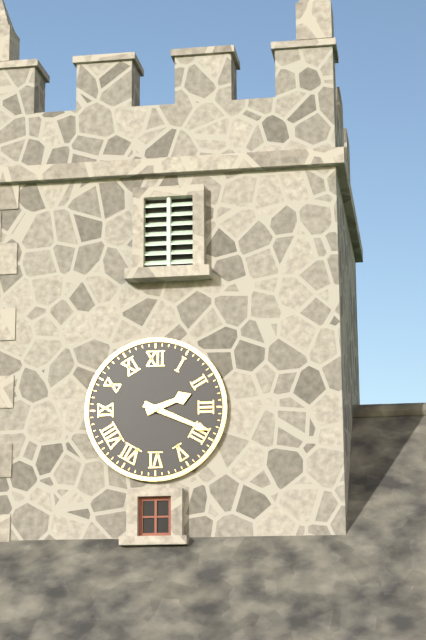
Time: 2h19
